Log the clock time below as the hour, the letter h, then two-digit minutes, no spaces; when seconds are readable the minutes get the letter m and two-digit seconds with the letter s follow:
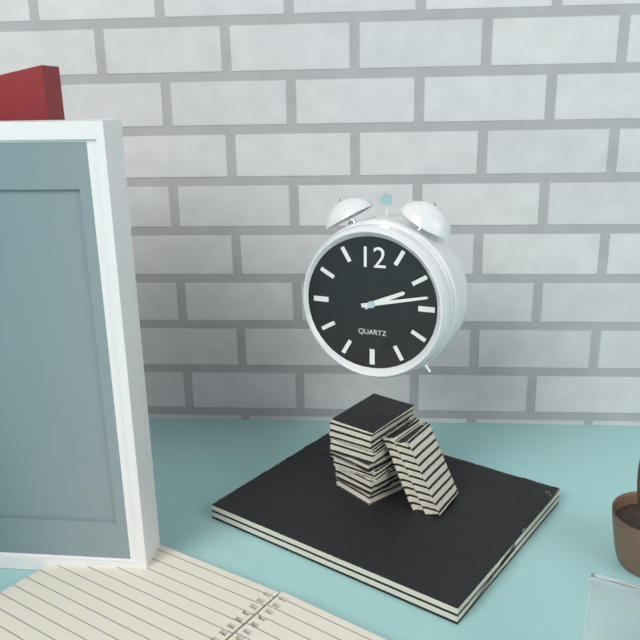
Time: 2h13
